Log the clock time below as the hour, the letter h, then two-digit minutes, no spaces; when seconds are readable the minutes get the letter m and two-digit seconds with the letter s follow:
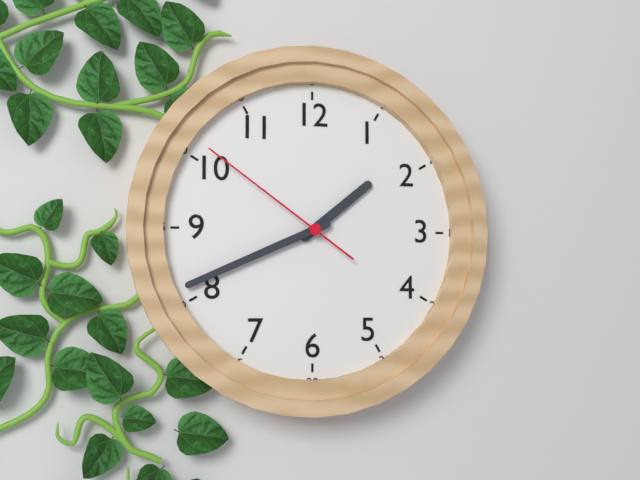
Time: 1h41m51s
